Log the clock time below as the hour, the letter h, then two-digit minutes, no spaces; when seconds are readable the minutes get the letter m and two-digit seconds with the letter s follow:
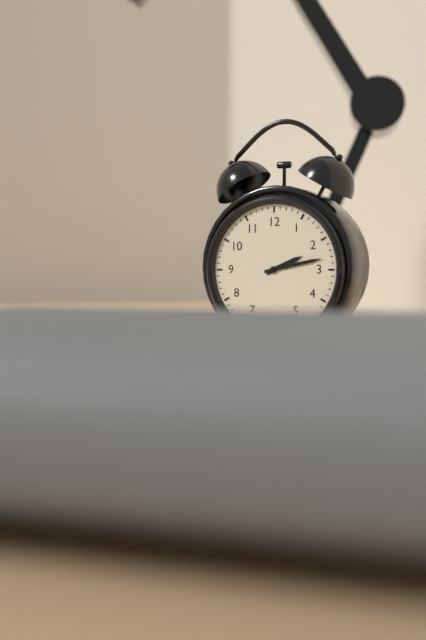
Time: 2h13
